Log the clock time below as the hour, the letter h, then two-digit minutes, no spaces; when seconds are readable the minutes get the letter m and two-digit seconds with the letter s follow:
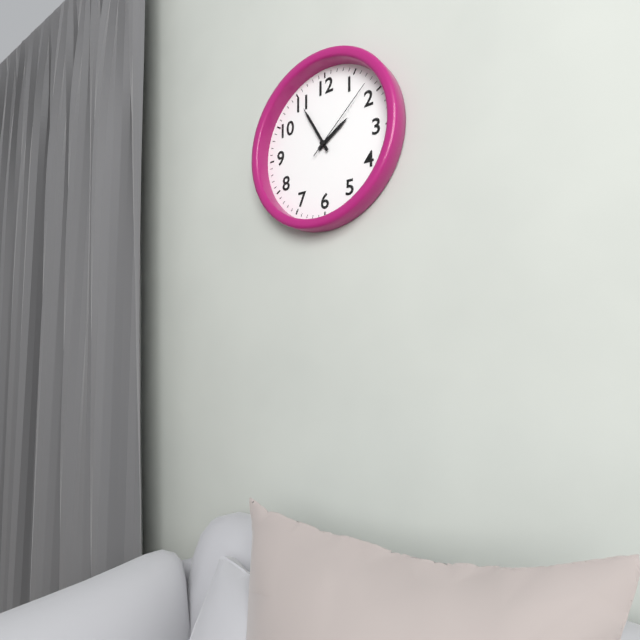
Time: 1h55m08s
